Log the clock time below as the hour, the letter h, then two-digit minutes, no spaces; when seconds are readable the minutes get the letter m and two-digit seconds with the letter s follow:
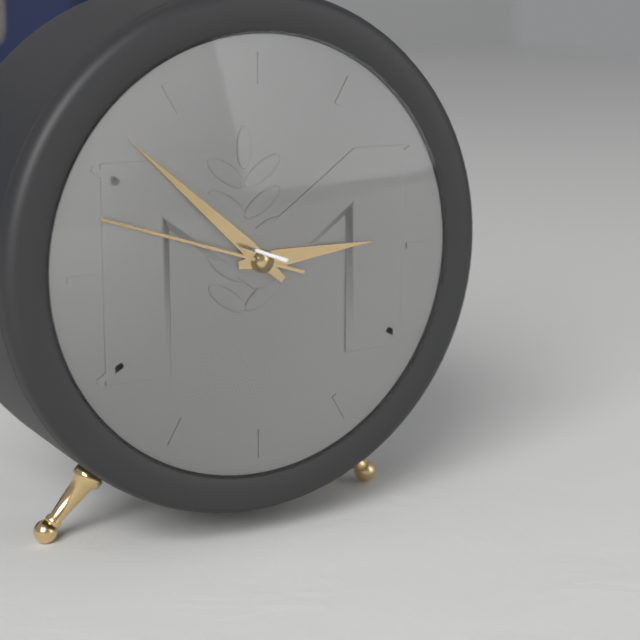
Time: 2h52m48s
